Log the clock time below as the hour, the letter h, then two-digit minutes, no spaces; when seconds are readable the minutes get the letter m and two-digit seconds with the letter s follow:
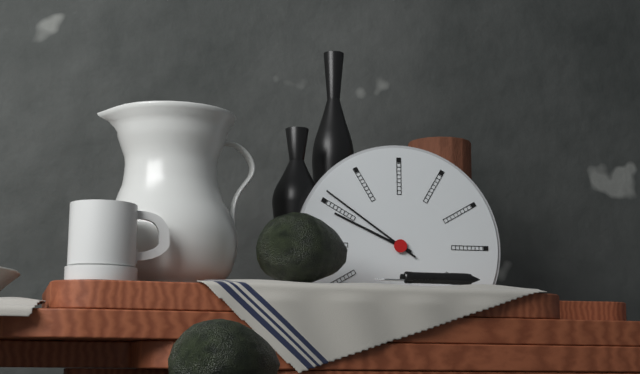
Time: 9h51
